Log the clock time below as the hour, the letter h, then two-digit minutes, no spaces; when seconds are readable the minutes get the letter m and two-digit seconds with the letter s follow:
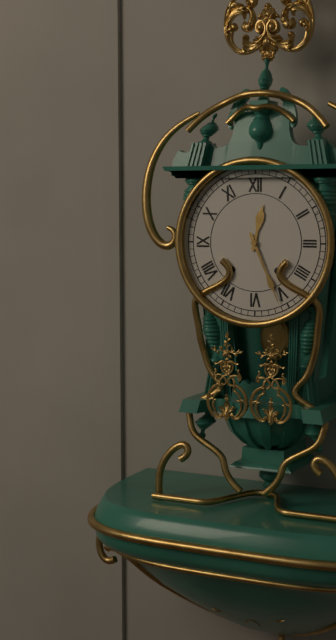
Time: 12h26
